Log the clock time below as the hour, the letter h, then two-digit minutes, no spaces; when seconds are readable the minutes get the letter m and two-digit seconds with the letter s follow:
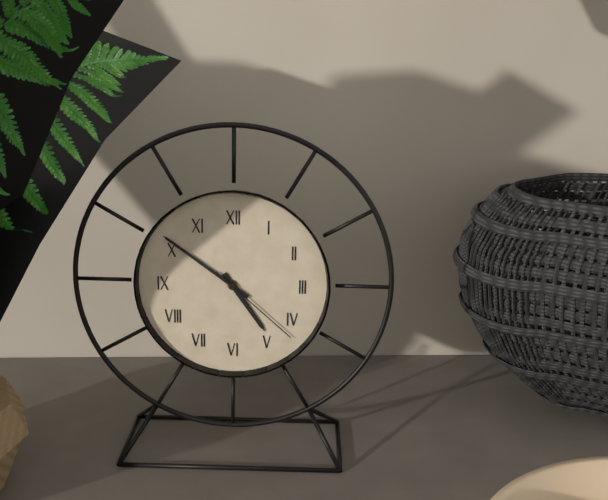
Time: 4h51m22s
